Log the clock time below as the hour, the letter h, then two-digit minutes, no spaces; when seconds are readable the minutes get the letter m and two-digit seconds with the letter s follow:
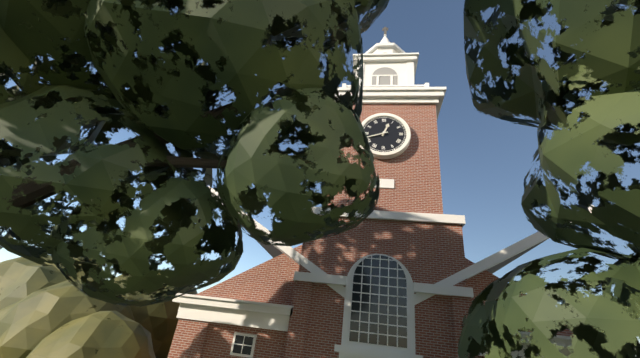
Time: 12h42
